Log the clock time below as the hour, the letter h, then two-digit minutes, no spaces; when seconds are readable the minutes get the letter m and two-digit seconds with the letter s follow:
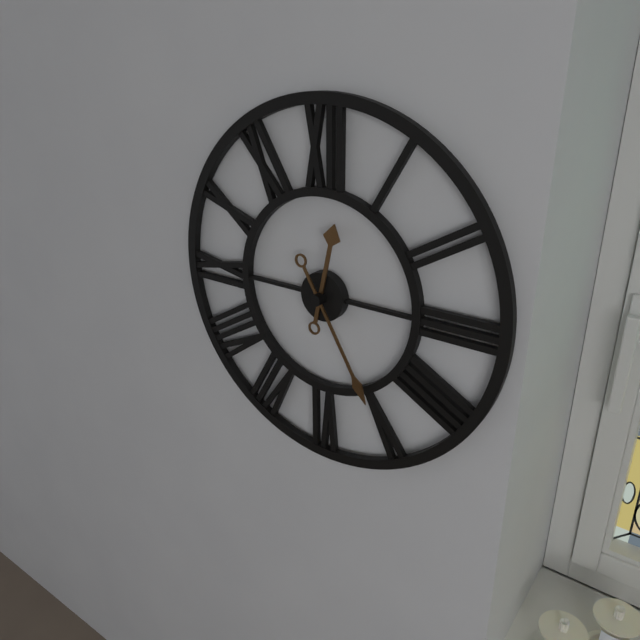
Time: 12h25
